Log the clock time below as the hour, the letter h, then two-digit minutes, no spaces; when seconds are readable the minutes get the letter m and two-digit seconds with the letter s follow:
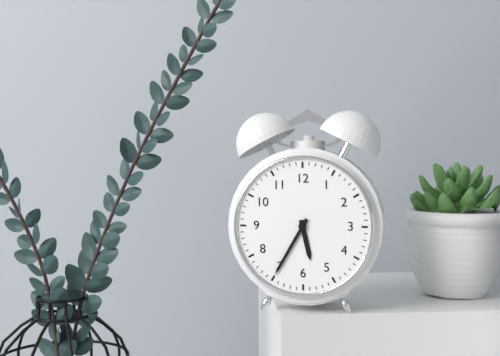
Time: 5h35
